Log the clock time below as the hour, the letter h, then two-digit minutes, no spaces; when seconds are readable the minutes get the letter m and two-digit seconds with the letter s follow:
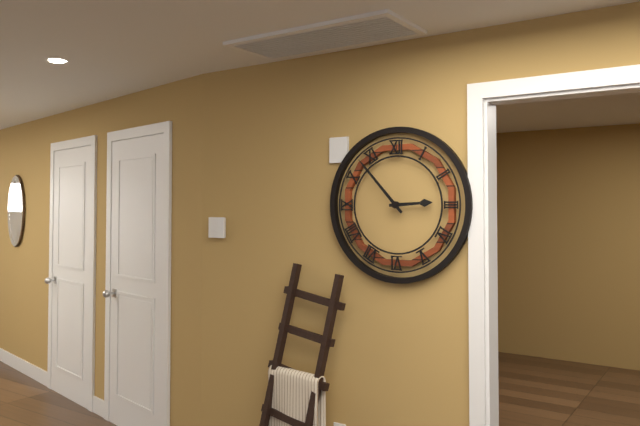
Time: 2h53
